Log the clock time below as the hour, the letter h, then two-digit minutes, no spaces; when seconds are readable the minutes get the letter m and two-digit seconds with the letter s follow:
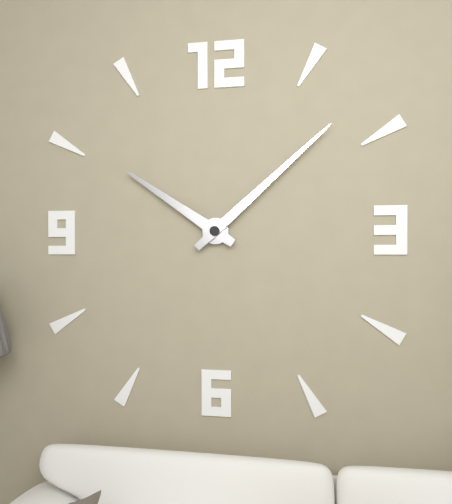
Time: 10h08
